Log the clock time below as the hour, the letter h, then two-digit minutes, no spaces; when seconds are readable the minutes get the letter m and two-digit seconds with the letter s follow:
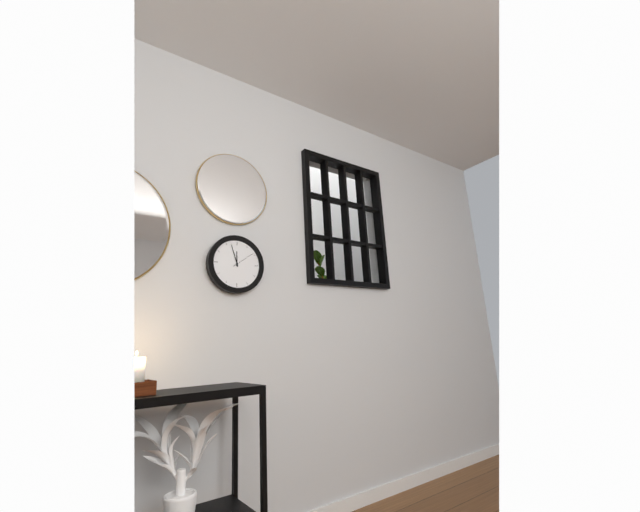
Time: 11h57
